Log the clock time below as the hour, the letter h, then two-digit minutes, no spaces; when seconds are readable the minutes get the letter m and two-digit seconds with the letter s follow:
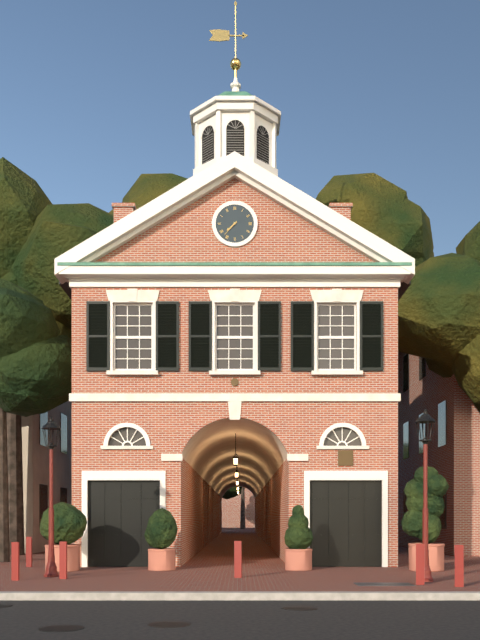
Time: 7h37
